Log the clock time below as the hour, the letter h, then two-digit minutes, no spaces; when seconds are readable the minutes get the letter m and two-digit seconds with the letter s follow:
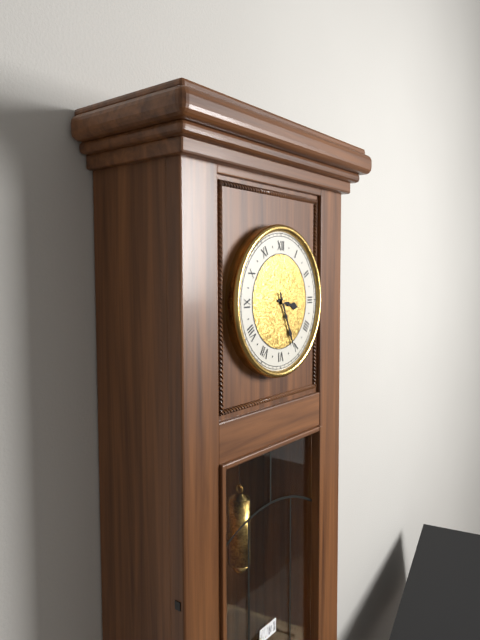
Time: 3h26
